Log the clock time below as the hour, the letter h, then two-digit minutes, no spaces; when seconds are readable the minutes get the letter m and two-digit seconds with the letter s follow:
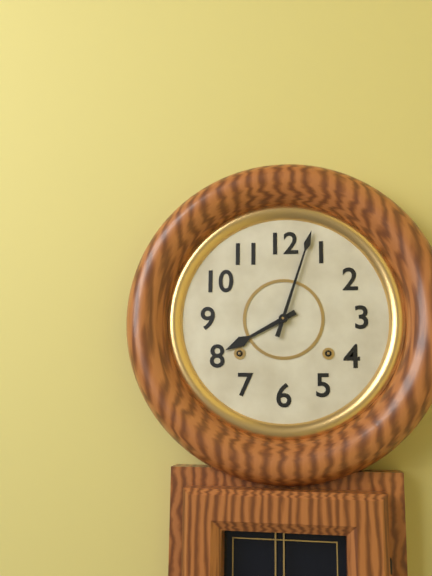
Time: 8h03
